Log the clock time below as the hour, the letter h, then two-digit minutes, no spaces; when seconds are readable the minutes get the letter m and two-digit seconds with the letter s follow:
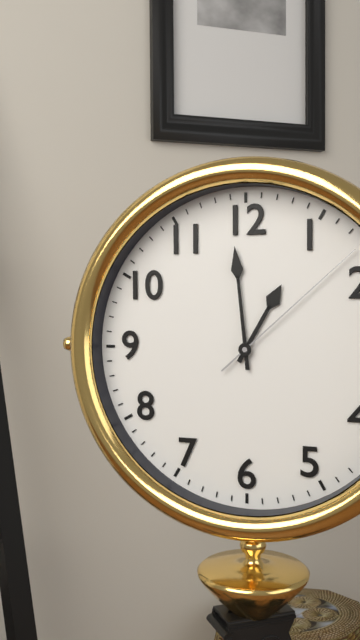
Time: 12h59m08s
